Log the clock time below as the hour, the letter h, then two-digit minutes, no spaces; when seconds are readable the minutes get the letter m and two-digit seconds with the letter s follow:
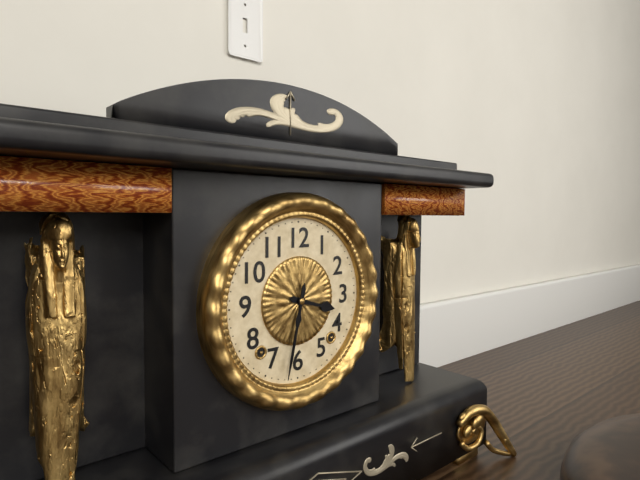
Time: 3h32
